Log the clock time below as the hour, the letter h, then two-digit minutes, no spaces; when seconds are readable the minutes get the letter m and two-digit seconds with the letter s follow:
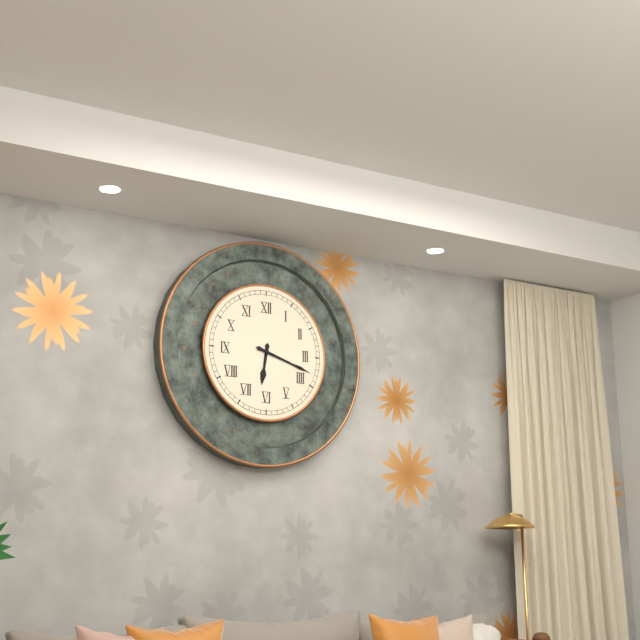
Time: 6h18
